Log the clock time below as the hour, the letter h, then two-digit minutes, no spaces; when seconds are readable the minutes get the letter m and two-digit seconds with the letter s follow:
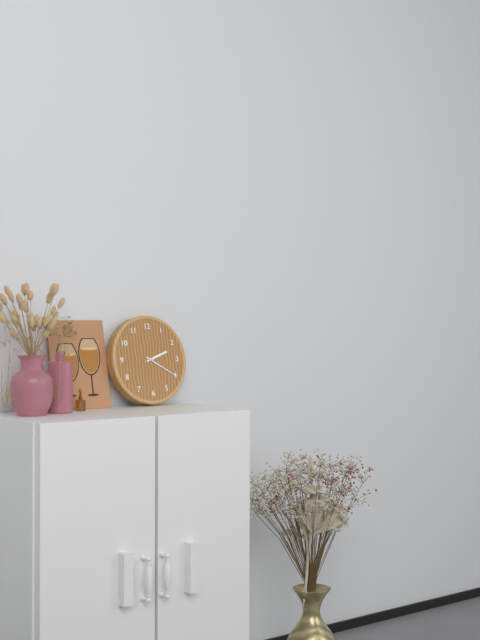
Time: 2h20
